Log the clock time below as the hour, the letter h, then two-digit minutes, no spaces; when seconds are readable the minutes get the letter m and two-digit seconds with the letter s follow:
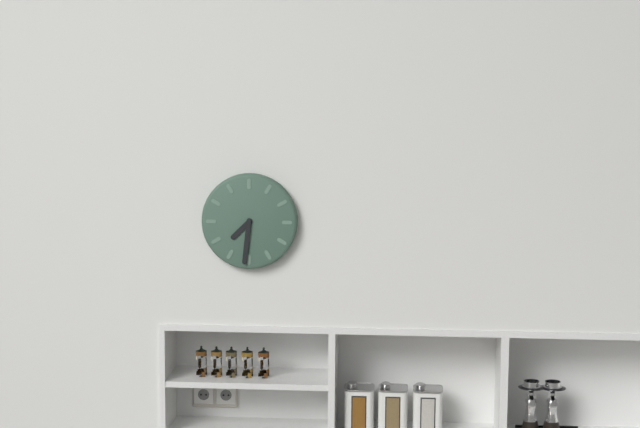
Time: 7h31
